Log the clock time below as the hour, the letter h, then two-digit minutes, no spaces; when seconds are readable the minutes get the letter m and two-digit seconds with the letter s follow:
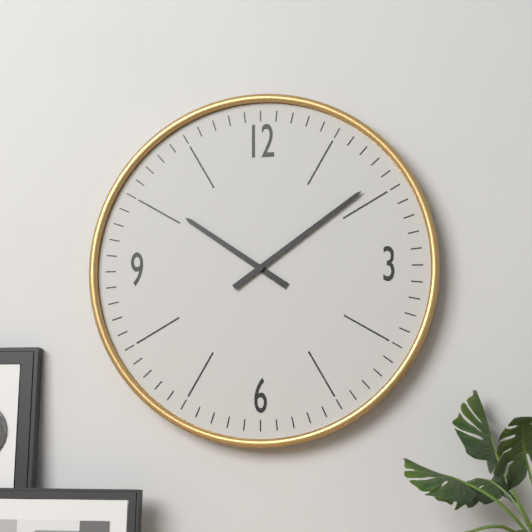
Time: 10h09
